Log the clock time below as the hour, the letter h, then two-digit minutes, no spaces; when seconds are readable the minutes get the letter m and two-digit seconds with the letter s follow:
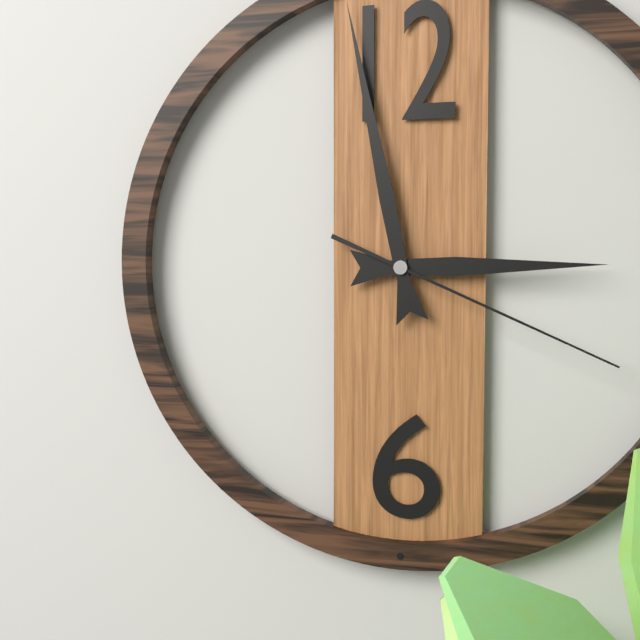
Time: 2h58m19s
